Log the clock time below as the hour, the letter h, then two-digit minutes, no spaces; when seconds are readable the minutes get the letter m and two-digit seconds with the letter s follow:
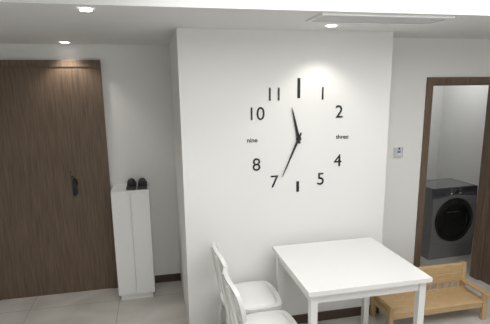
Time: 11h34
